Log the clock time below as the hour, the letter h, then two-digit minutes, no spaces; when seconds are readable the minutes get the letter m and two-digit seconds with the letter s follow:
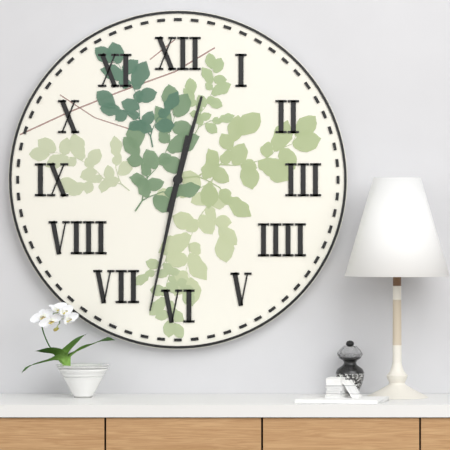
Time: 12h32
